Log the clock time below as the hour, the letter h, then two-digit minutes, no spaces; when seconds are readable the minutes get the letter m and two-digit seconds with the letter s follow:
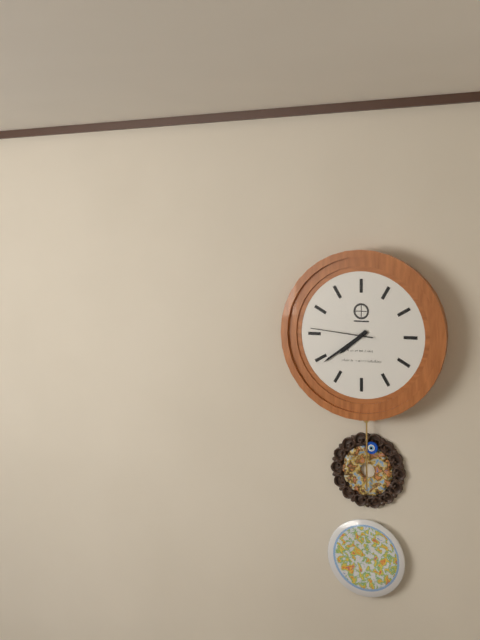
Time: 7h39m46s
